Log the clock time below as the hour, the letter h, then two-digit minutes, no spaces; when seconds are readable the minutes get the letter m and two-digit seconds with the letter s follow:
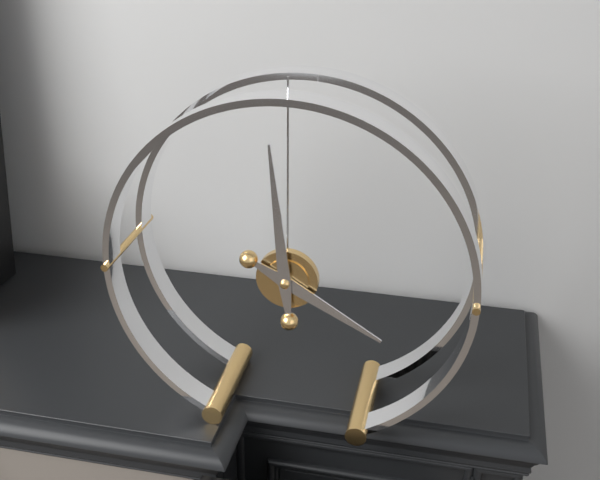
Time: 3h59
